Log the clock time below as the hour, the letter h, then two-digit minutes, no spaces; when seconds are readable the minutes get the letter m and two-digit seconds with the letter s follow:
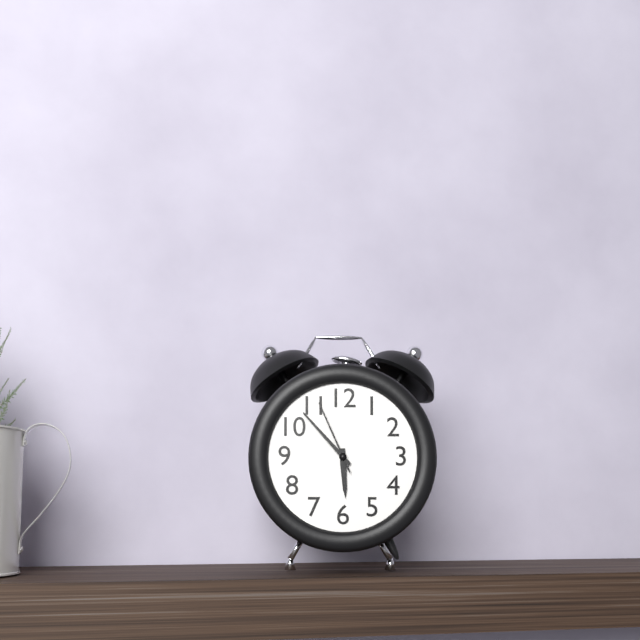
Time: 5h53m56s
